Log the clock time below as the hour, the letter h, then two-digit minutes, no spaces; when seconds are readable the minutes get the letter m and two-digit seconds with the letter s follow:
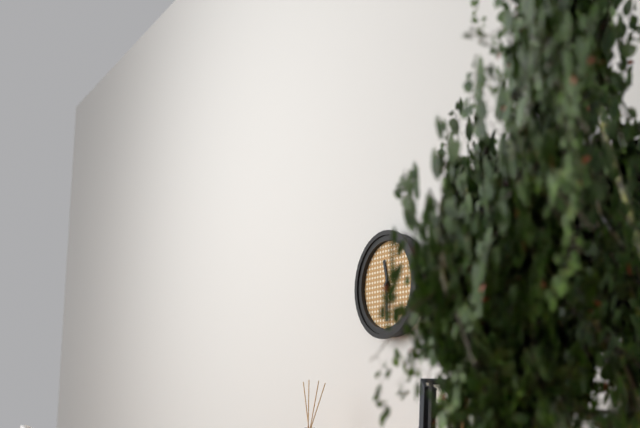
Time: 11h30
